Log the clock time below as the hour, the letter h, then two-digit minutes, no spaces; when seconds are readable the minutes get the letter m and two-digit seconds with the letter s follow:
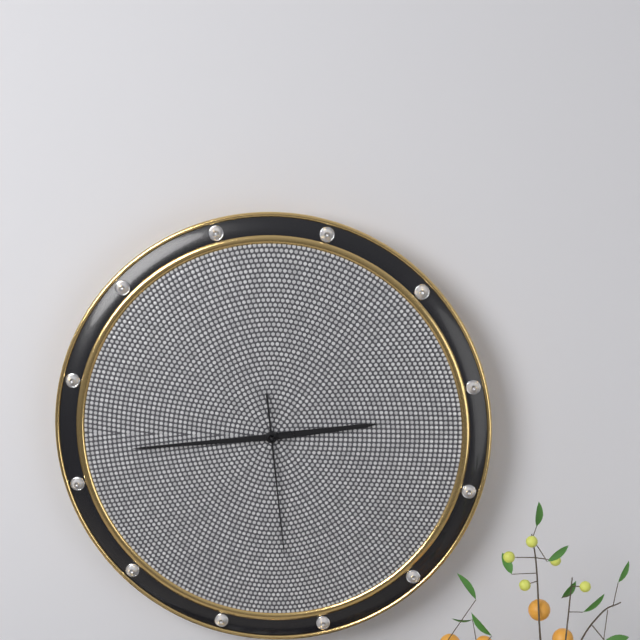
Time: 2h44m29s
